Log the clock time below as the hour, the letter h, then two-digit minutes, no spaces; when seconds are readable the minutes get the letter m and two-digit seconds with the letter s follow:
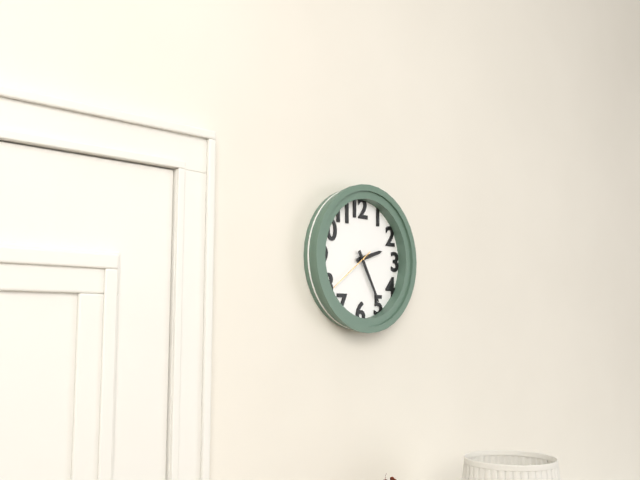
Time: 2h25
